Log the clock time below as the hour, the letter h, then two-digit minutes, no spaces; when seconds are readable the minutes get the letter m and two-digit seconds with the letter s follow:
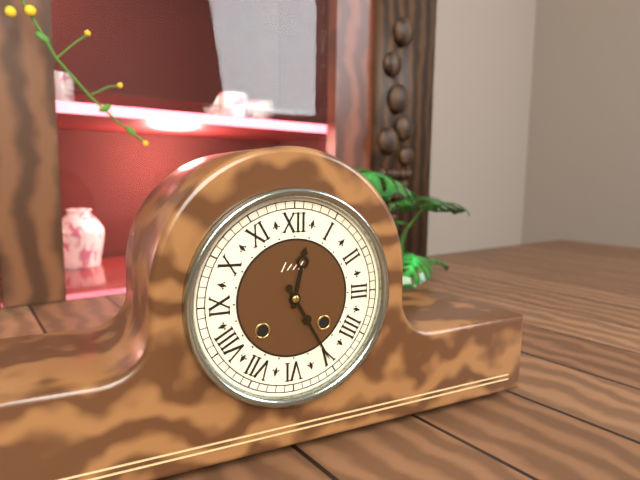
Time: 12h25
